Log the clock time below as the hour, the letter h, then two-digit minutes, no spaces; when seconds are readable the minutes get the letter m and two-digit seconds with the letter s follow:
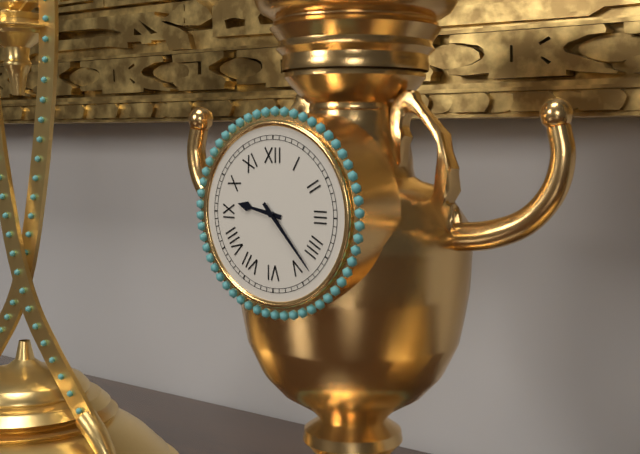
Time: 9h23
